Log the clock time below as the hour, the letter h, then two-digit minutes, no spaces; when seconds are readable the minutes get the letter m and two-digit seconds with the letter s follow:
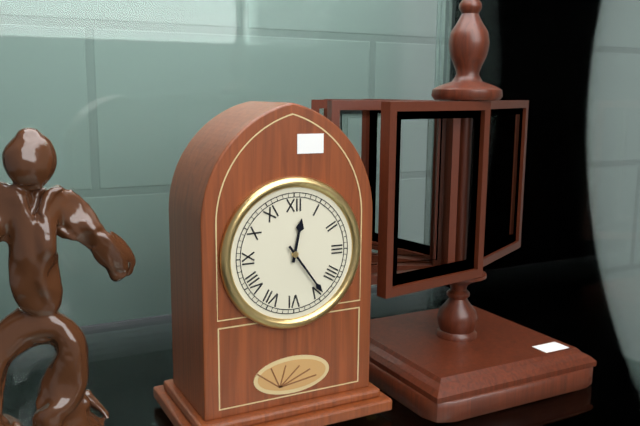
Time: 12h24
